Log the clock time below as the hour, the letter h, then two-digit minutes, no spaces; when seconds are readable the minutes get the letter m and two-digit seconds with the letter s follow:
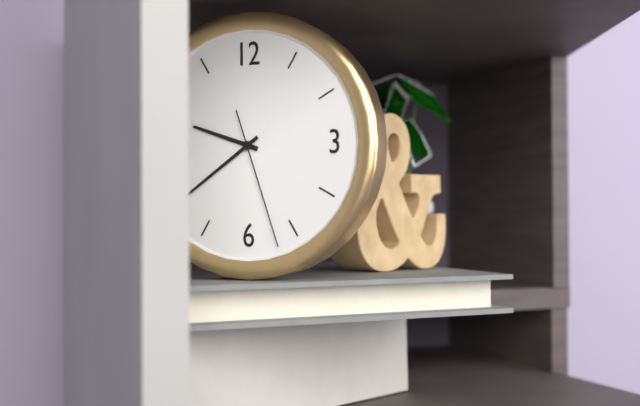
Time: 9h39m27s
